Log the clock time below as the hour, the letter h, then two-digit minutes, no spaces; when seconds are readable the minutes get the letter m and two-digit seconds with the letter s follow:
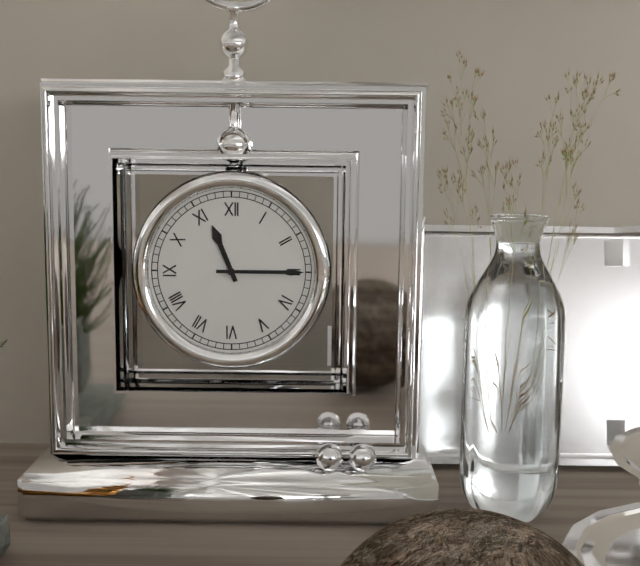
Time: 11h15
